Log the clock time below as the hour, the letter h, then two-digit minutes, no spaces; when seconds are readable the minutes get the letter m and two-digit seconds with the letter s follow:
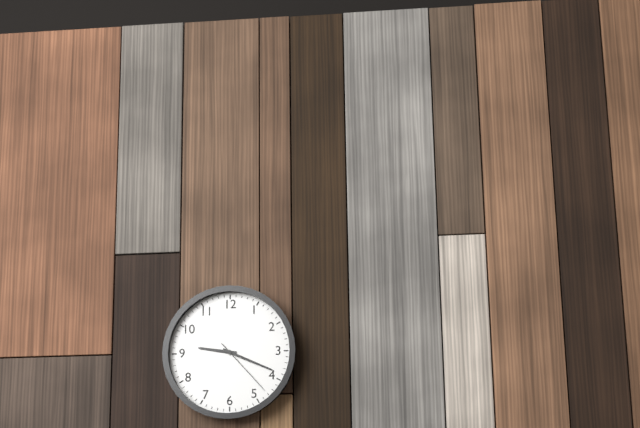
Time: 9h19m23s
